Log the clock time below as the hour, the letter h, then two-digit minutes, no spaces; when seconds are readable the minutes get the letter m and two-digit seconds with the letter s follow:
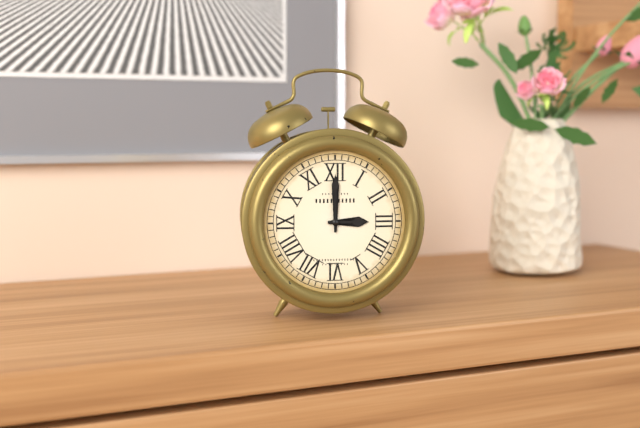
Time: 3h00
